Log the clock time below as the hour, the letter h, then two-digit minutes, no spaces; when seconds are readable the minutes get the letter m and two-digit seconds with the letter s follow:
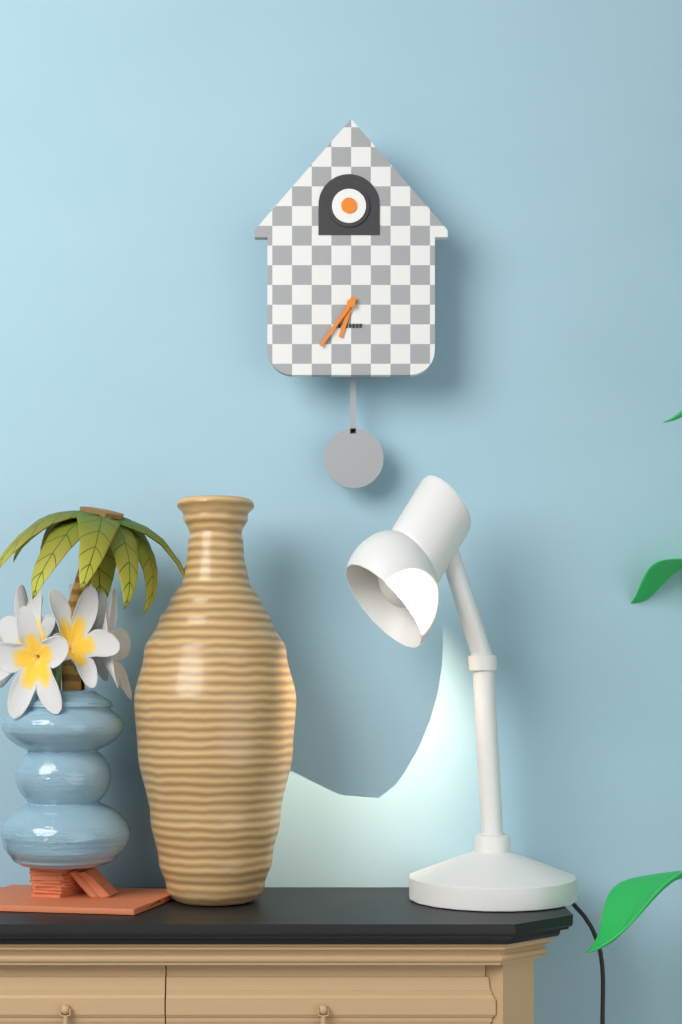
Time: 6h36
